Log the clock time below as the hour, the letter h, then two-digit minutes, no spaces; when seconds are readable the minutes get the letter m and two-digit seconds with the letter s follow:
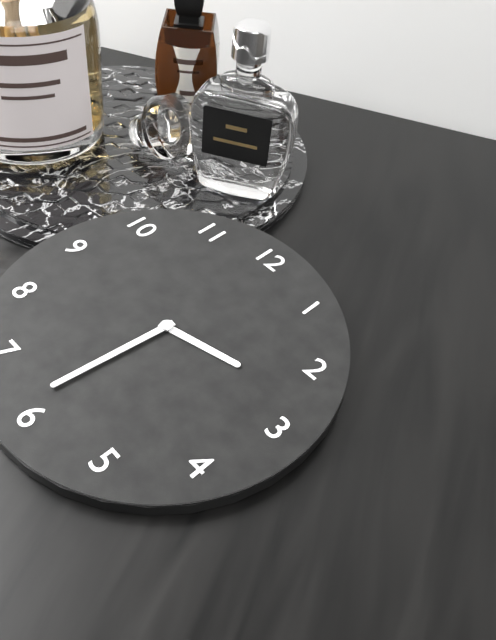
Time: 2h31
